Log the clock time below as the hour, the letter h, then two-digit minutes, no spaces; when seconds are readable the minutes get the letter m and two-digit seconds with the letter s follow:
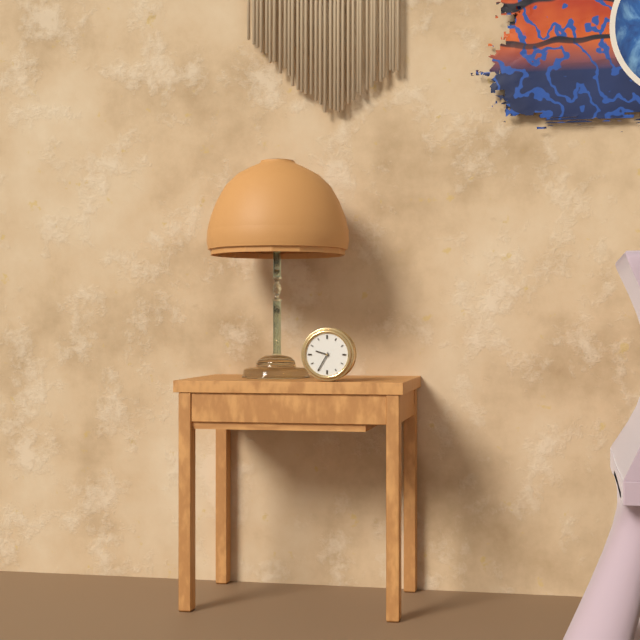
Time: 9h35
